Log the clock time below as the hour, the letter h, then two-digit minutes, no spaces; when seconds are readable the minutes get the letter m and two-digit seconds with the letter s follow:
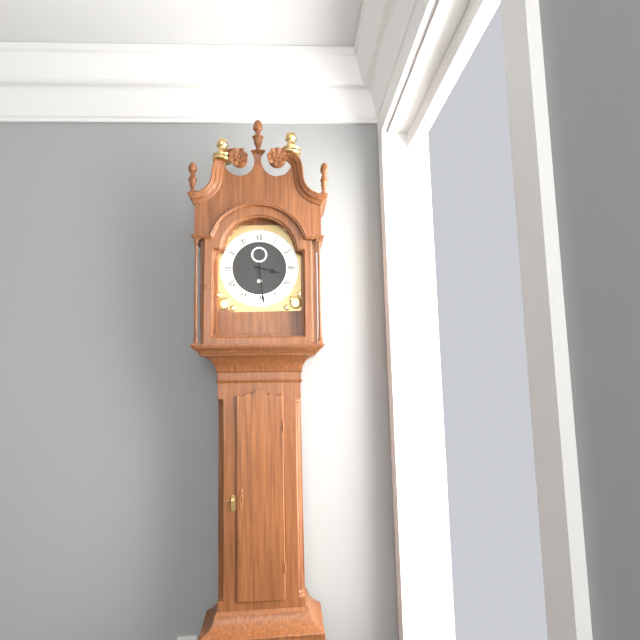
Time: 3h29
